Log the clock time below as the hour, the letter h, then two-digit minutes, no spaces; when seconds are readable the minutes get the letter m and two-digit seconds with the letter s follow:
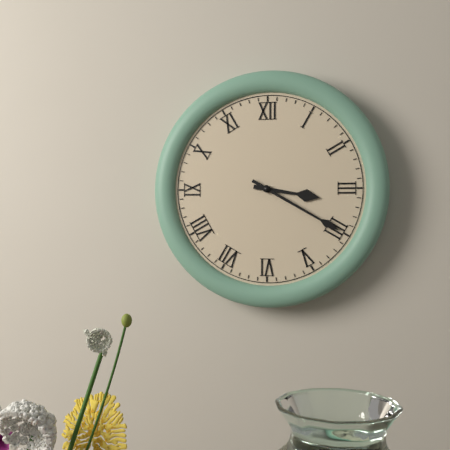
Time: 3h20
